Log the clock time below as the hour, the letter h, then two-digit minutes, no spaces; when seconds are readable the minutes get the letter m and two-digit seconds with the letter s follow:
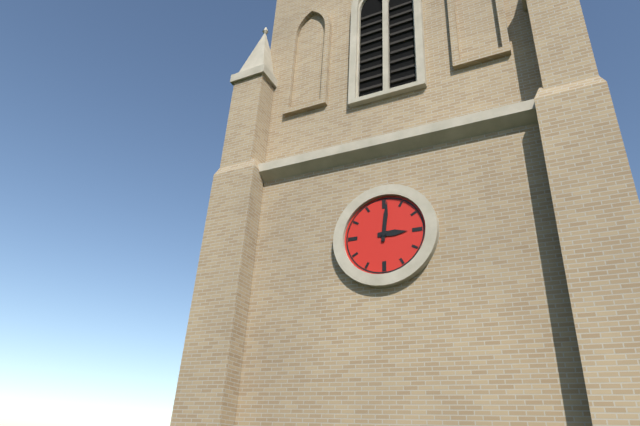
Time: 3h01
